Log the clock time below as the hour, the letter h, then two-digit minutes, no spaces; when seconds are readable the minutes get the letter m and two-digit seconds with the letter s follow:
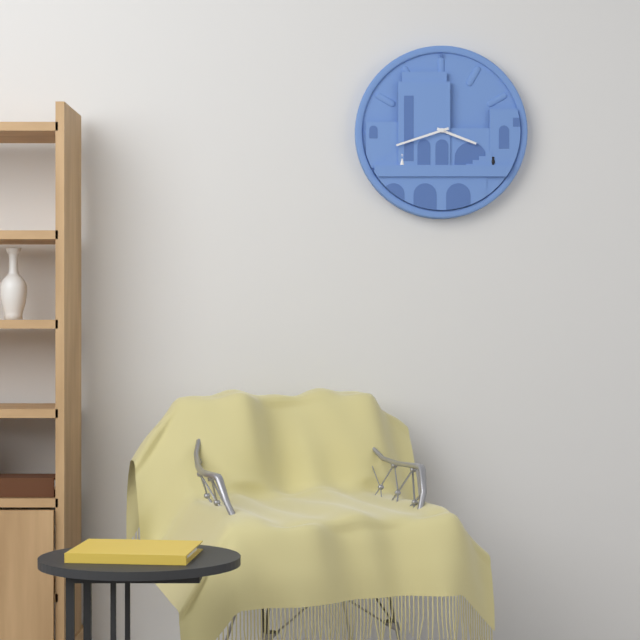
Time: 3h42
